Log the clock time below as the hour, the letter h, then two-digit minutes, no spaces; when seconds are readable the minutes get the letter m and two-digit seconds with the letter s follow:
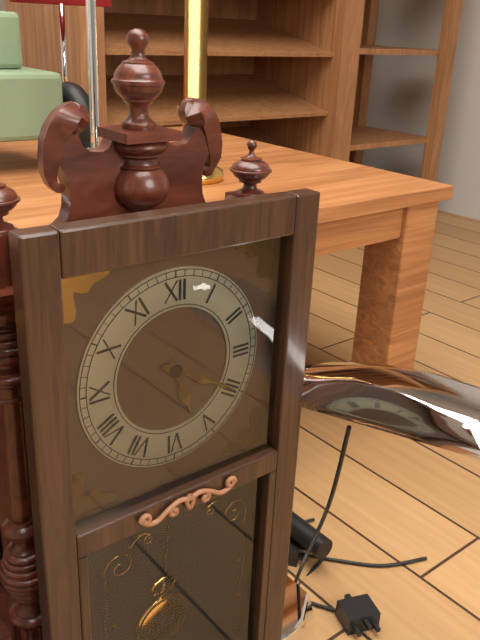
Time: 5h20
